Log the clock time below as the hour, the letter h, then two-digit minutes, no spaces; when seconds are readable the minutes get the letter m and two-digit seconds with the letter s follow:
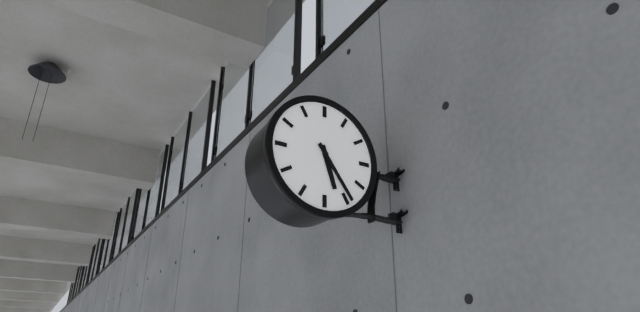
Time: 5h24
